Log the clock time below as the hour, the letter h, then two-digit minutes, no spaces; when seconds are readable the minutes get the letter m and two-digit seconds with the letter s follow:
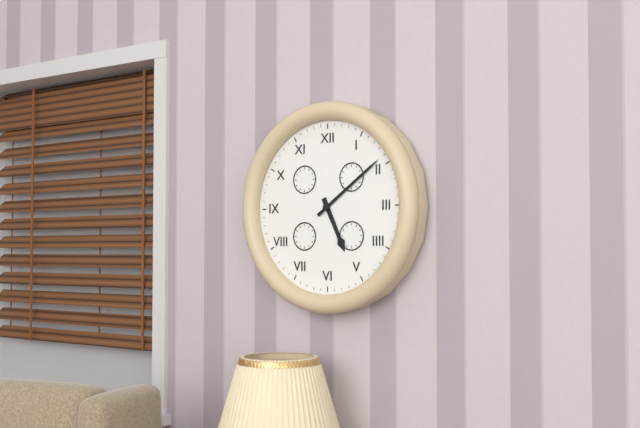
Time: 5h09
